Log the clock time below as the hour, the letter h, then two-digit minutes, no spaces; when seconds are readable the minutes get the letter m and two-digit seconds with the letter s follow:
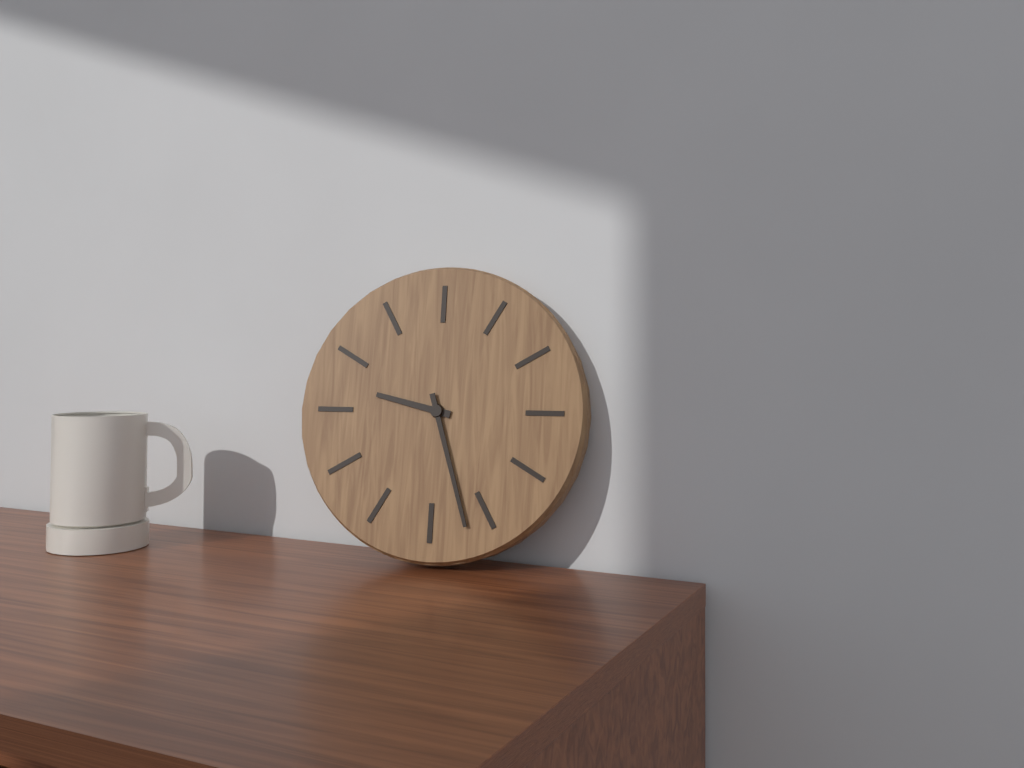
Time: 9h27
